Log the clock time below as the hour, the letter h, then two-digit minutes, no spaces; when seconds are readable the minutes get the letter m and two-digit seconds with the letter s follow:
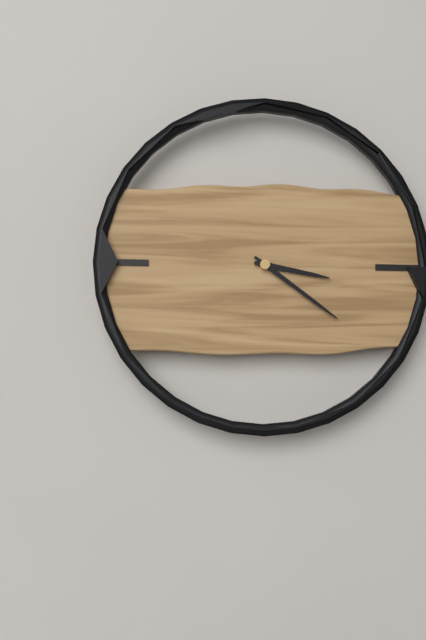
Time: 3h21
